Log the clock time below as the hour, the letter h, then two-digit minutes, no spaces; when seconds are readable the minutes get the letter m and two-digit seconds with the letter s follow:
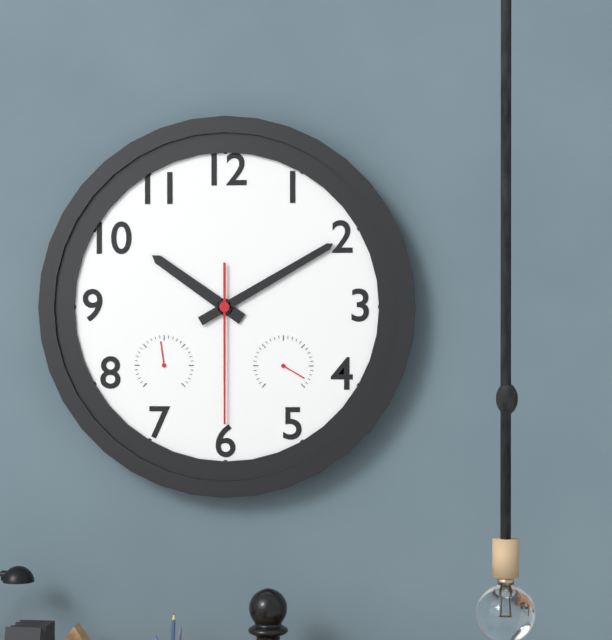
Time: 10h10m30s
